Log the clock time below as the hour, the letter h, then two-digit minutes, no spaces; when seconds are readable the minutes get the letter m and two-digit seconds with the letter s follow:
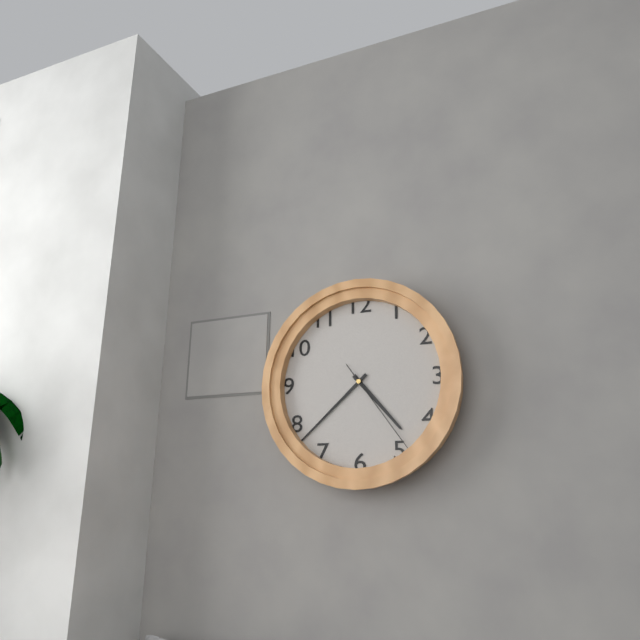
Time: 4h38m24s
